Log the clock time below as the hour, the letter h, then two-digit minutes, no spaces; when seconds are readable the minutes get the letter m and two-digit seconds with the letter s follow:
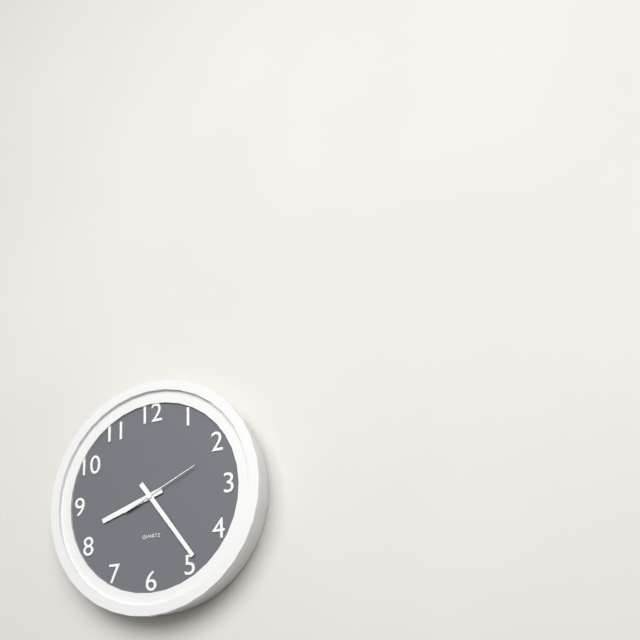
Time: 8h24m11s
